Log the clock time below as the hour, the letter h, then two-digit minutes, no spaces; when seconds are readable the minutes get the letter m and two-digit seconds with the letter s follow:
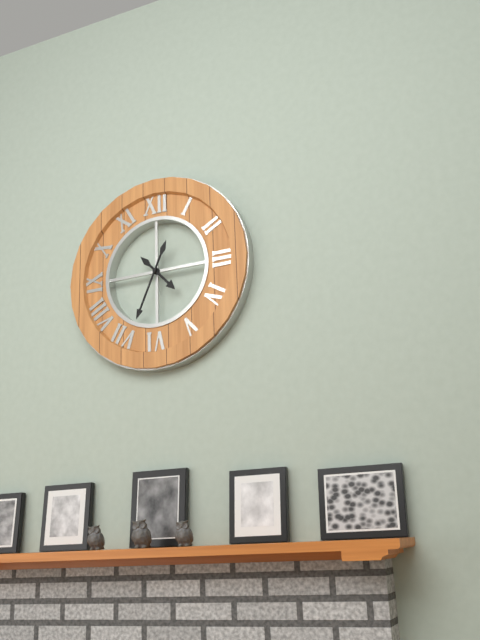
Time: 4h34
